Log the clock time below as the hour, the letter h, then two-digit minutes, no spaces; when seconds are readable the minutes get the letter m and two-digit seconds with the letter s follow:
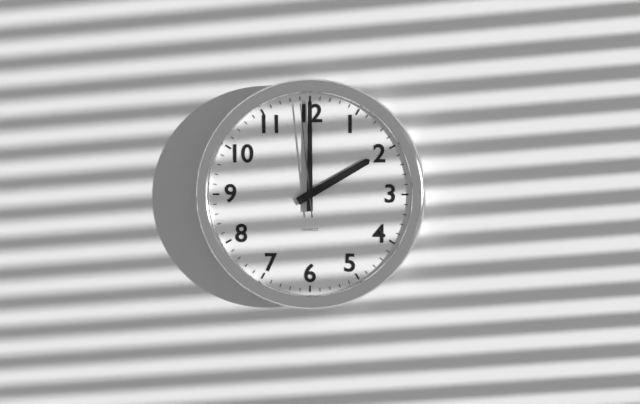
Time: 2h00m59s
